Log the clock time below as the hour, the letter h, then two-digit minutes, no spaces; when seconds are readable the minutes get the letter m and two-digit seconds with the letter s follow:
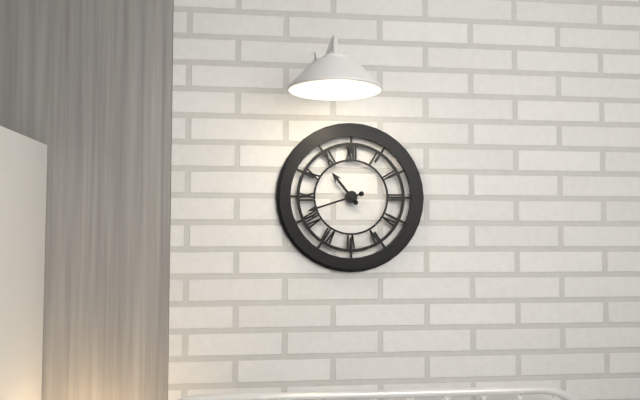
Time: 10h42
